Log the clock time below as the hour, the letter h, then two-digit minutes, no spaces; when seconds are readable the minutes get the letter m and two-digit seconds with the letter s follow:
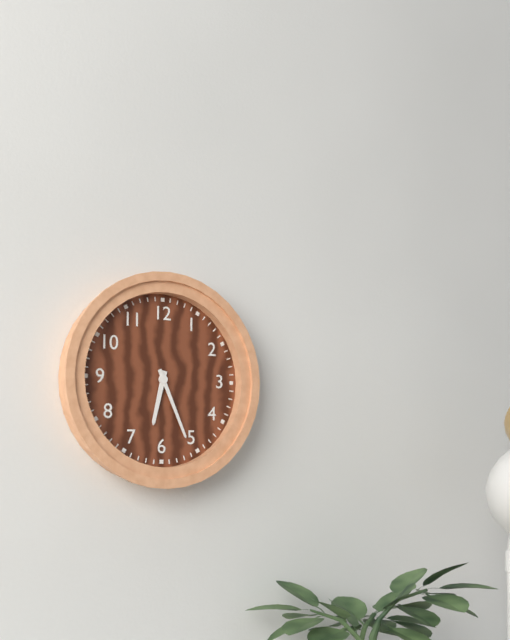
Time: 6h26
